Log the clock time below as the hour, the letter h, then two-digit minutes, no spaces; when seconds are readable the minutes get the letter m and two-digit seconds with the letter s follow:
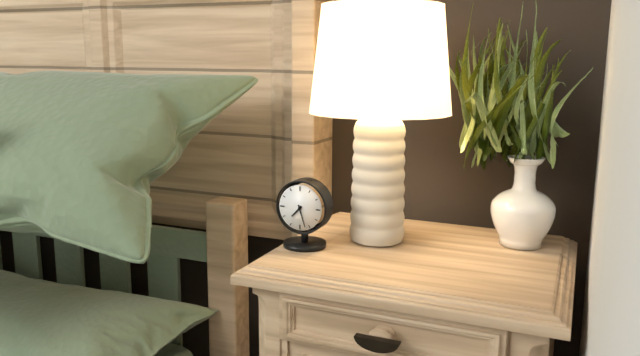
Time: 7h27
